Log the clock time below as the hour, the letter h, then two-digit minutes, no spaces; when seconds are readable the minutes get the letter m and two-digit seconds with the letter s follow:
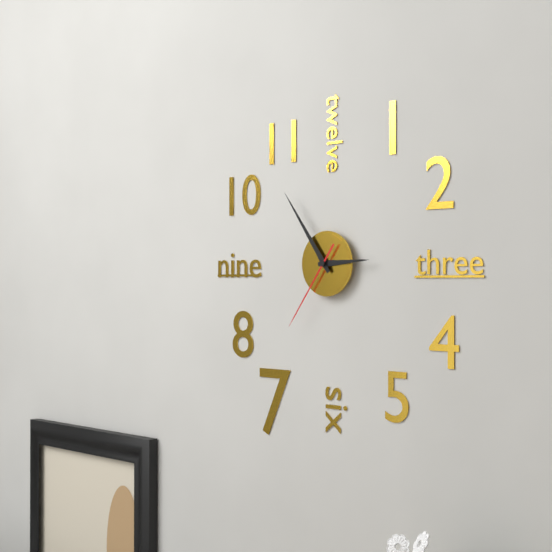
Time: 2h54m36s
